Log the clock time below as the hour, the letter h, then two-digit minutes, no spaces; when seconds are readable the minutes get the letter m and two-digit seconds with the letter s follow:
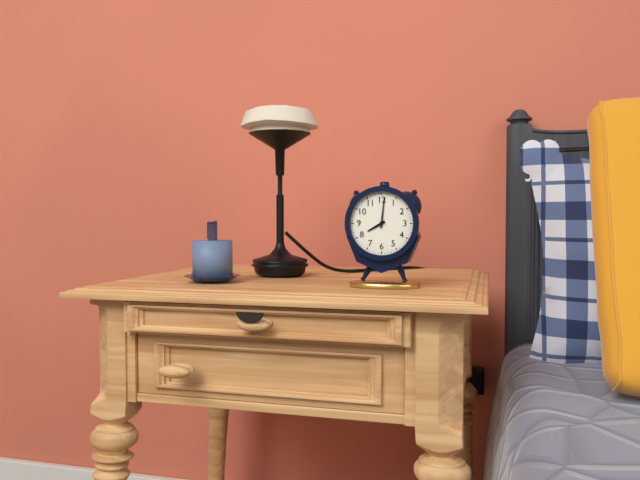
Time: 8h01
